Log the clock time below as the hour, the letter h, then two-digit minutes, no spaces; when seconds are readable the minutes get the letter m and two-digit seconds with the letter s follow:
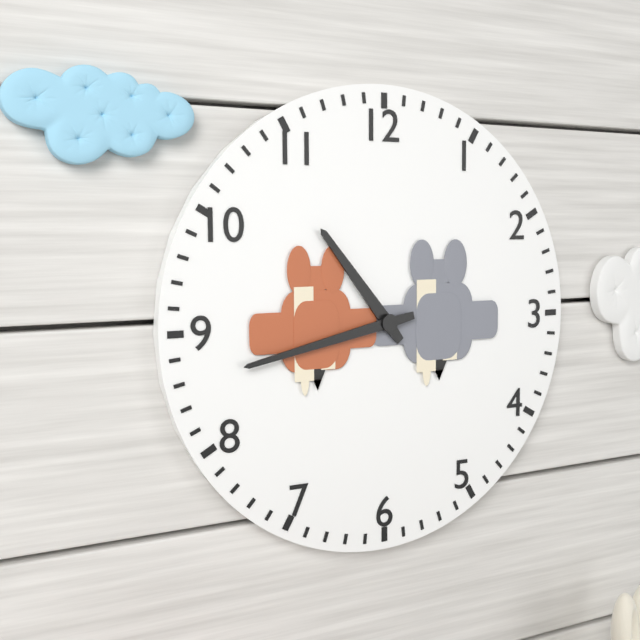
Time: 10h43
